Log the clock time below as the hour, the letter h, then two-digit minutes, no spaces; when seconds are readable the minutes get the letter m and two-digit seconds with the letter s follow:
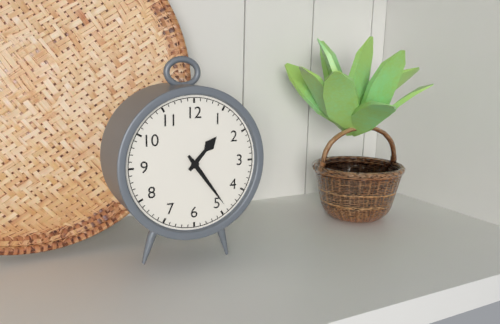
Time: 1h24
